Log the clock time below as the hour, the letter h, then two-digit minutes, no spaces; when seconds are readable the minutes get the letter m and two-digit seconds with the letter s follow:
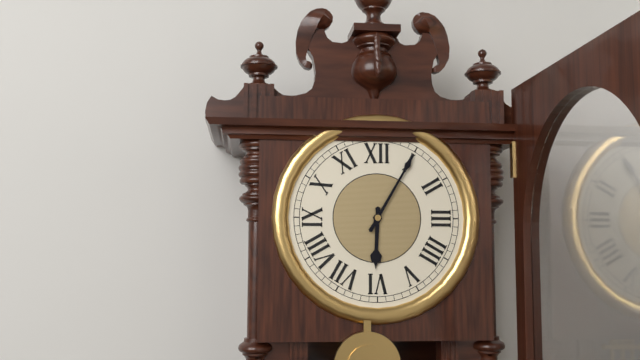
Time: 6h05
